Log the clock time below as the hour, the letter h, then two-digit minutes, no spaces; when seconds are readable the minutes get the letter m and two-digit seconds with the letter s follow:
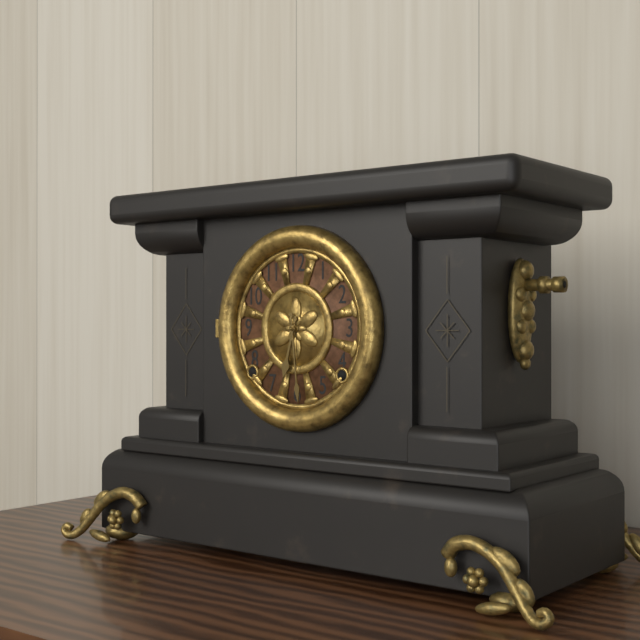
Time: 6h29
